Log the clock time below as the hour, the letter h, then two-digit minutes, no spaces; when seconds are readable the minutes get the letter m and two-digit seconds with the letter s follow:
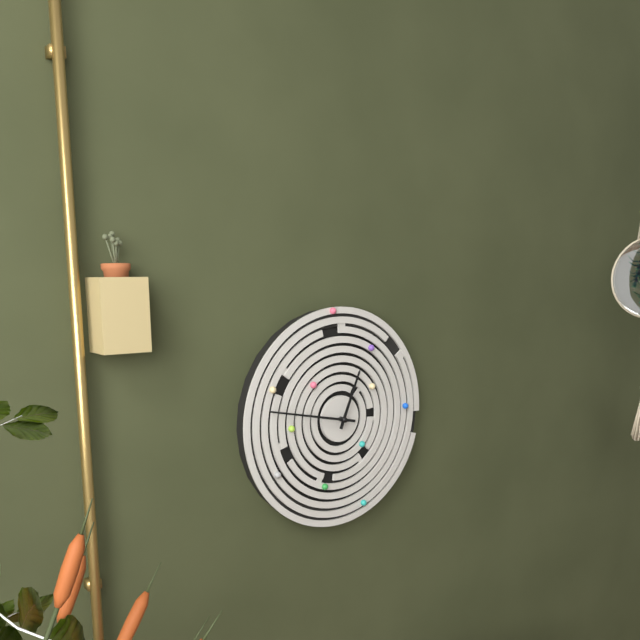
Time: 12h47
